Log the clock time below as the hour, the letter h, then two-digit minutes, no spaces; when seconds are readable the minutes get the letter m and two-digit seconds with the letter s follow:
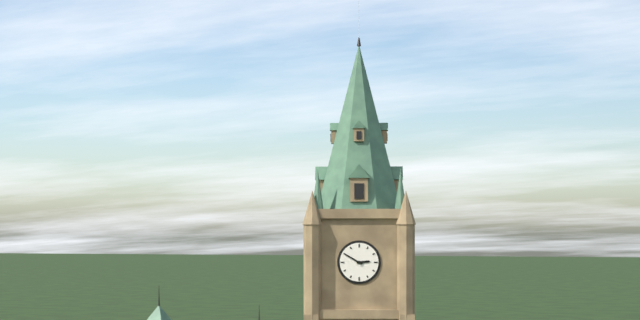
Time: 2h50
